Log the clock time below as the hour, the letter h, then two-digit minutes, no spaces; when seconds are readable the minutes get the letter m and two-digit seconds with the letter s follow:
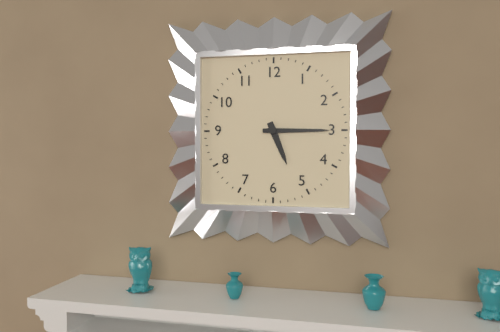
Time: 5h15
